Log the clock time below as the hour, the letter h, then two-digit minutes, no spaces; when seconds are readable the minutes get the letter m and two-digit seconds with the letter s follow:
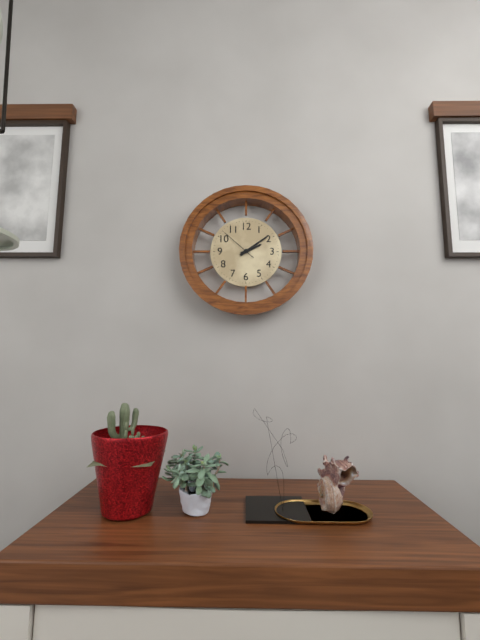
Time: 2h09
